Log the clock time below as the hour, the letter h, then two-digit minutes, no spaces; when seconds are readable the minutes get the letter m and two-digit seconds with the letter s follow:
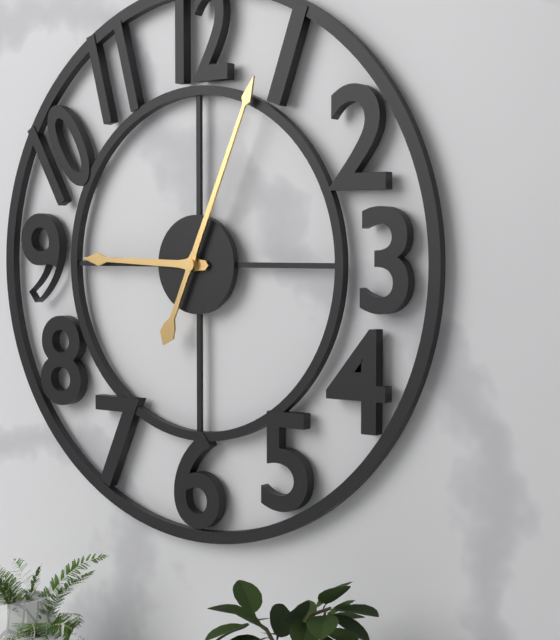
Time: 9h04
